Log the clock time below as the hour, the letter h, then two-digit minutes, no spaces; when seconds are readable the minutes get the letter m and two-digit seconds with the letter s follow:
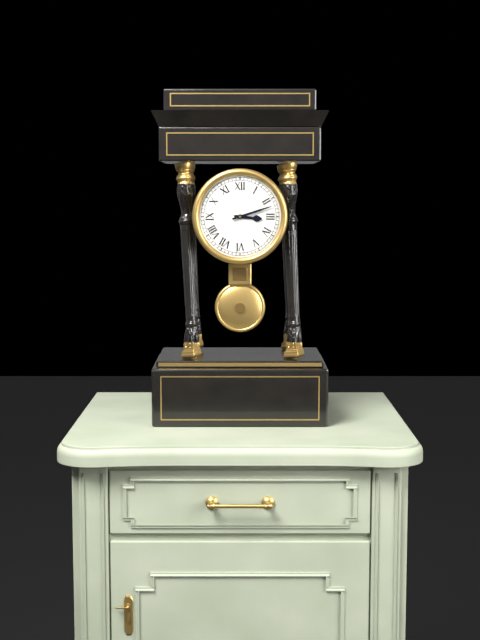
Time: 3h12
